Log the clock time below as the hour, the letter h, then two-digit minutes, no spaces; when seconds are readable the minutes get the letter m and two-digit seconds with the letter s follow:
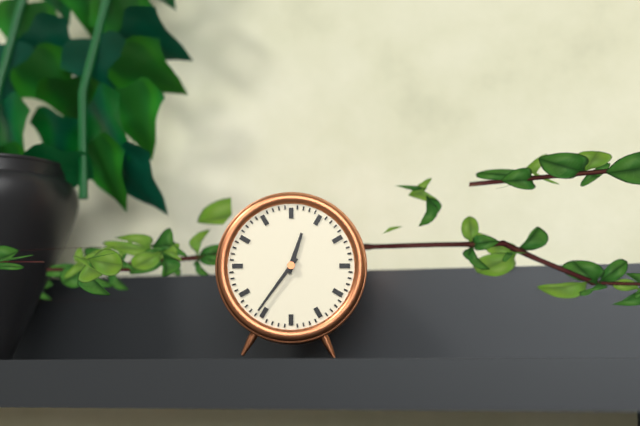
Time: 12h36
